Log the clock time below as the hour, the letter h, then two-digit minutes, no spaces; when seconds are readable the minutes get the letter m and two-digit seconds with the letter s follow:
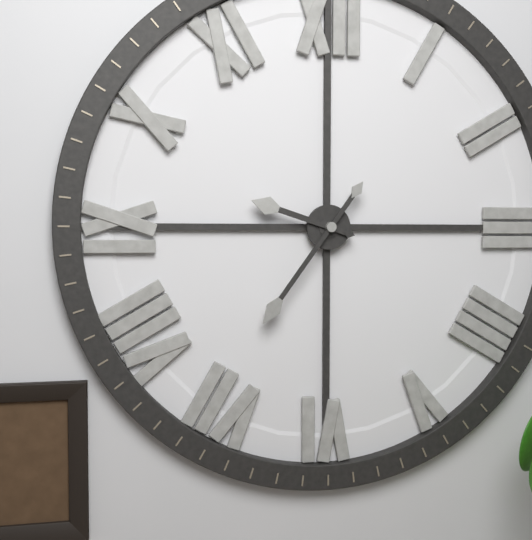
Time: 9h36
